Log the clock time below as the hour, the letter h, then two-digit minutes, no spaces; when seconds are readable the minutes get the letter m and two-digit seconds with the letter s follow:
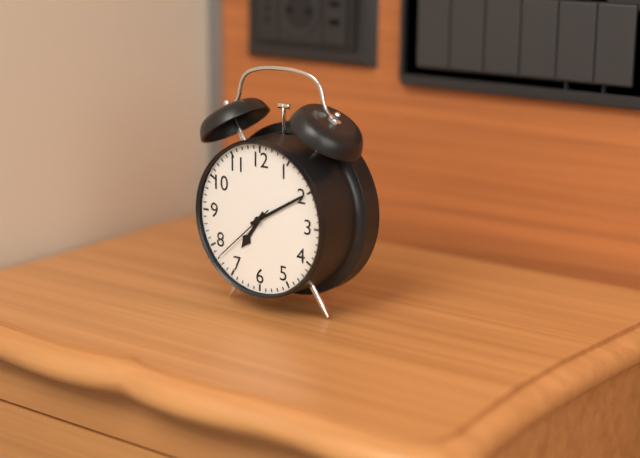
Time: 7h10m38s
